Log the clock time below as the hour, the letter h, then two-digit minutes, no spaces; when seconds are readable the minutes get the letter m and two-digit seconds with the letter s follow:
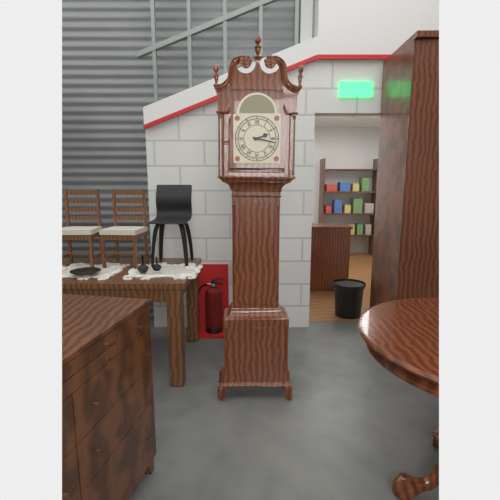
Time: 2h17
